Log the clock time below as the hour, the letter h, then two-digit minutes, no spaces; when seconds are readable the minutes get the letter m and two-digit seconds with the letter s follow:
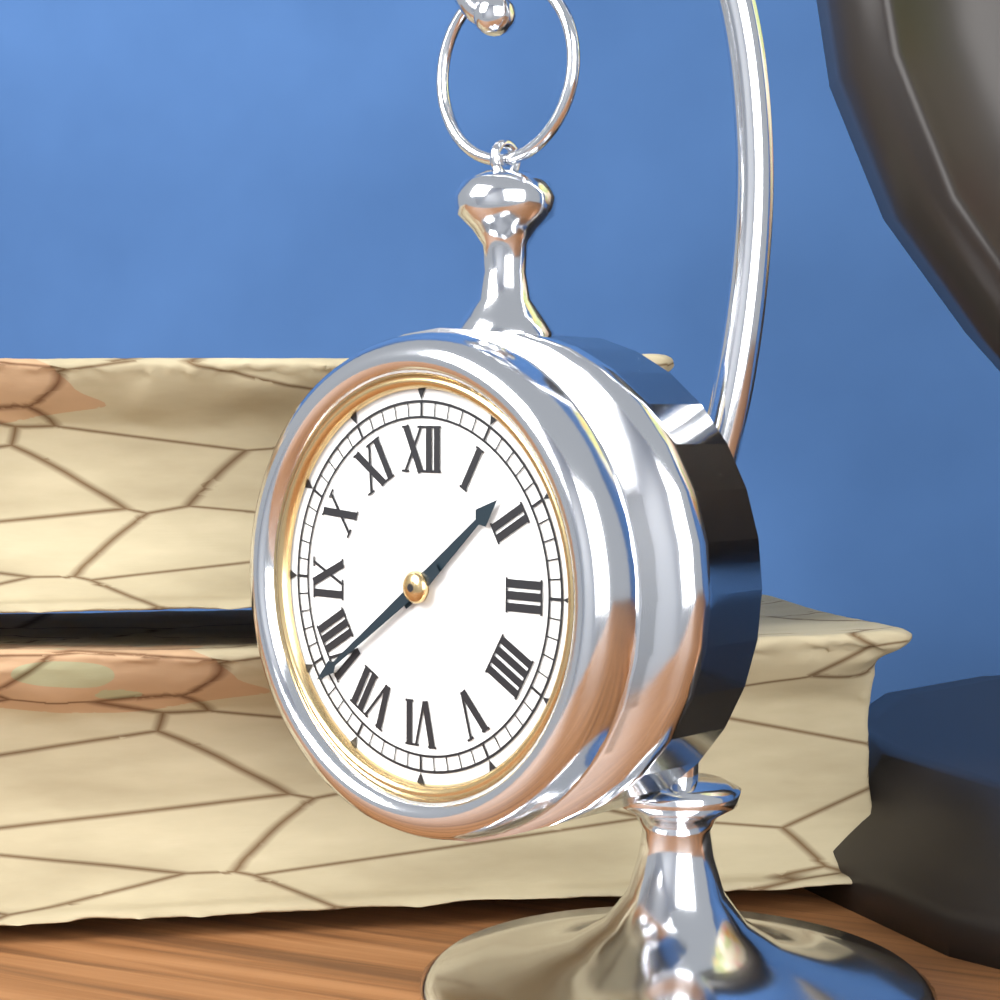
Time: 1h39
